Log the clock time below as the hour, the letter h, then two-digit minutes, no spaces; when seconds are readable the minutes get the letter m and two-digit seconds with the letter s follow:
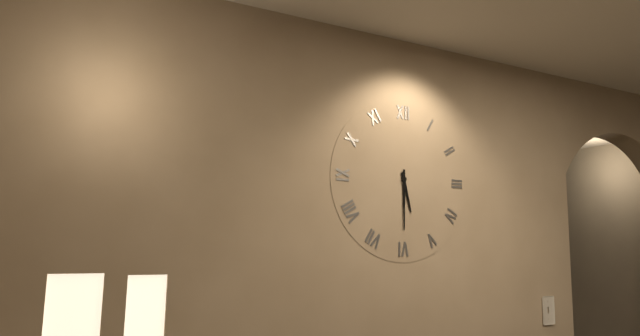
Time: 5h30
